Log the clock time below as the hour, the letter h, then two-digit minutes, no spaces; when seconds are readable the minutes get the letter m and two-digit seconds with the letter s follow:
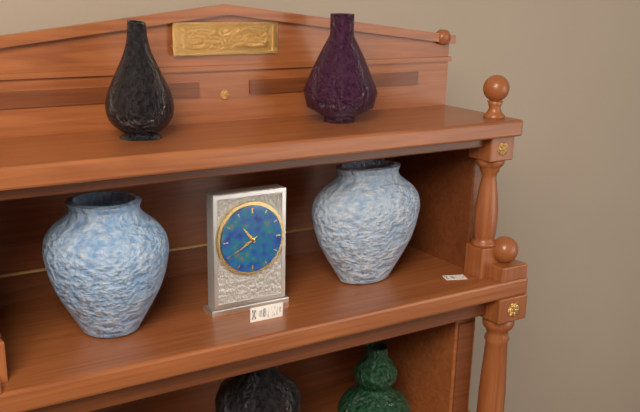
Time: 10h40
